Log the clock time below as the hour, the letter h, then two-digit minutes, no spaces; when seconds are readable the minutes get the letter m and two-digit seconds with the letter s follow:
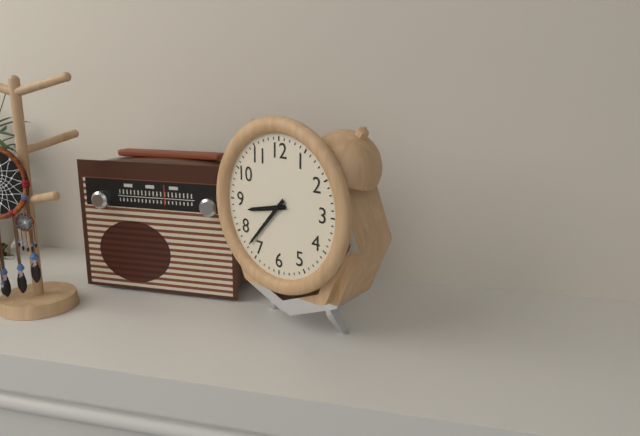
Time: 8h37
